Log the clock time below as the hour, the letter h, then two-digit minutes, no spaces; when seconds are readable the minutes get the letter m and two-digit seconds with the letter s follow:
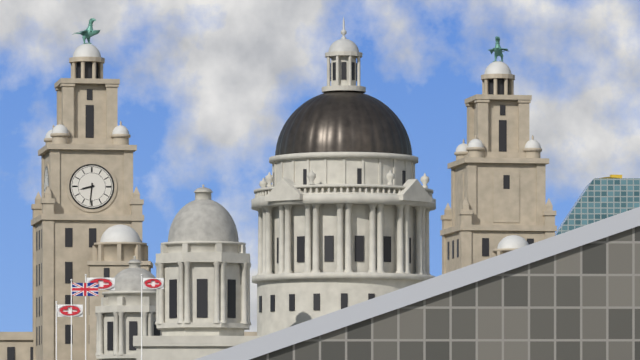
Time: 8h31
